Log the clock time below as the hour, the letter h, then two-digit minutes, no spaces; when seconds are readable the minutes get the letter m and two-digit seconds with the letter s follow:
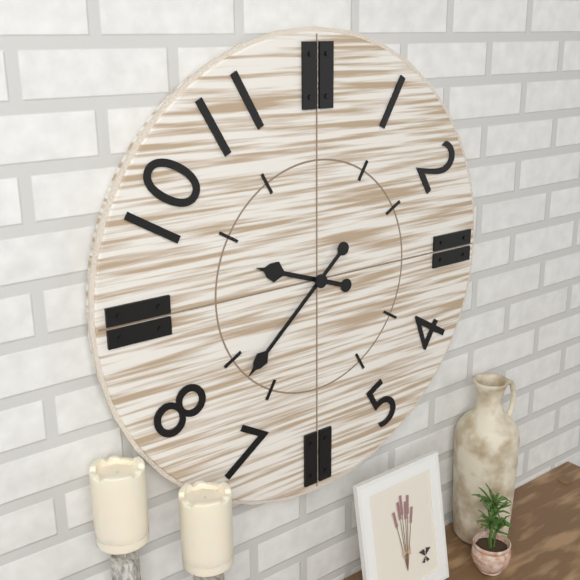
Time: 9h38
